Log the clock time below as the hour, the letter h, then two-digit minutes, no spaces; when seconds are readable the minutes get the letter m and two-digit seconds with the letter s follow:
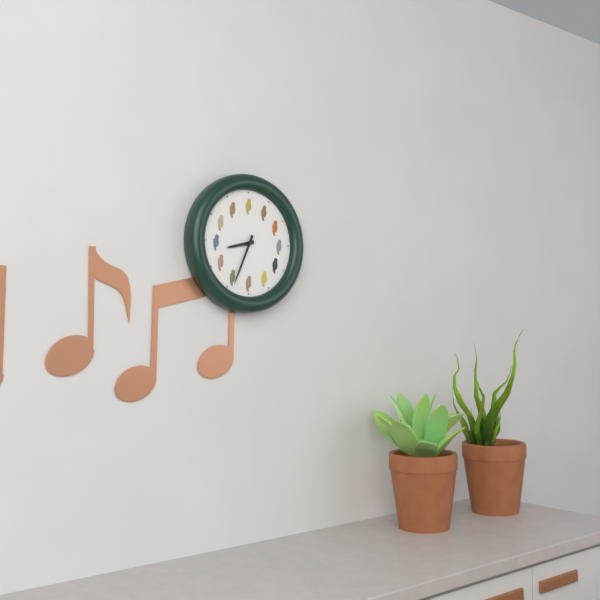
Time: 8h34
